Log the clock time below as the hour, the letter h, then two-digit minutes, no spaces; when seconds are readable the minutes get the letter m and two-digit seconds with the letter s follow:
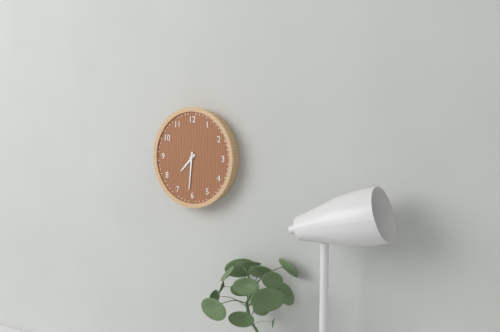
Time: 7h31
